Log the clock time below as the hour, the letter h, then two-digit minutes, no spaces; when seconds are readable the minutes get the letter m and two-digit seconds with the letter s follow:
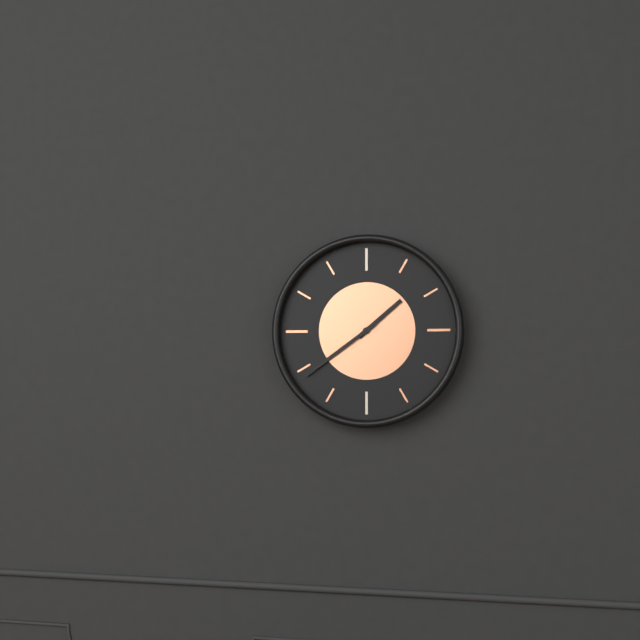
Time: 1h39
